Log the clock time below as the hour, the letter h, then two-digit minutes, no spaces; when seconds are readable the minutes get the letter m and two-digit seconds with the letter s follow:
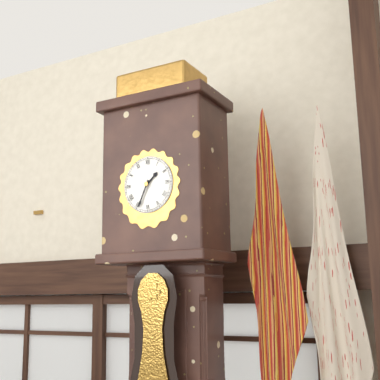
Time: 1h34
